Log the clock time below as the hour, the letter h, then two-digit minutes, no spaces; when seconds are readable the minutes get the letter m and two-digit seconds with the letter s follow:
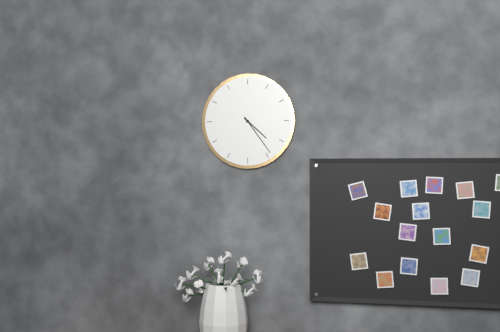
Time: 4h24
